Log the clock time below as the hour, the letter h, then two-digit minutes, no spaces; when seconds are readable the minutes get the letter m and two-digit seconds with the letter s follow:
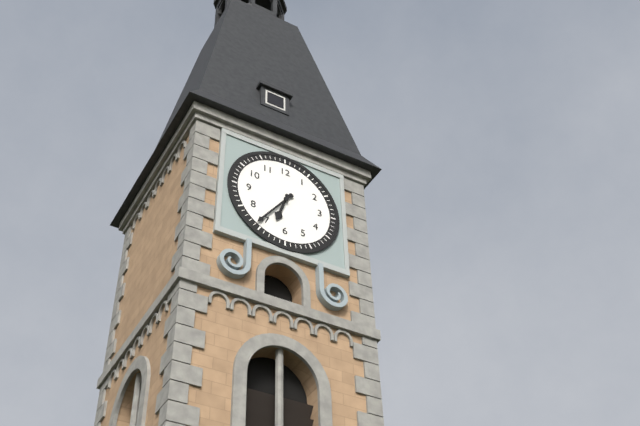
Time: 6h36
